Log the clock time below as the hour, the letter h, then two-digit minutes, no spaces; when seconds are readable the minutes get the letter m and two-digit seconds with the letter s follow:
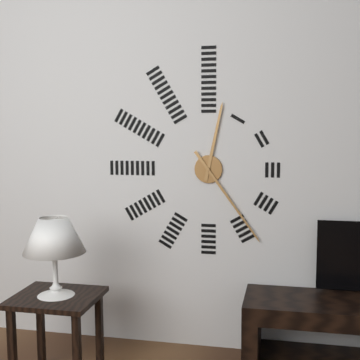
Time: 12h24
